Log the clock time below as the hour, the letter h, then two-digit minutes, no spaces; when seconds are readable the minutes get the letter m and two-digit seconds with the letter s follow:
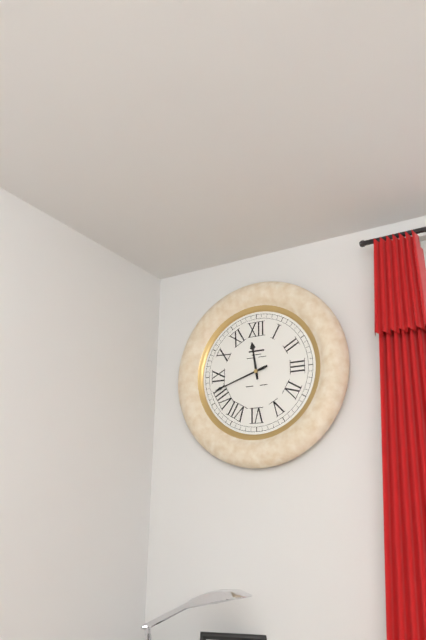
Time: 11h42
